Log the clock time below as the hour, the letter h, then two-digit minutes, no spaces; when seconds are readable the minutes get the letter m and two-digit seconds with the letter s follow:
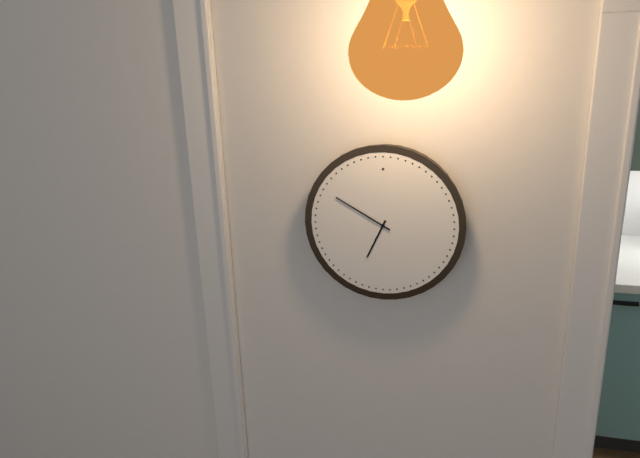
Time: 6h50
